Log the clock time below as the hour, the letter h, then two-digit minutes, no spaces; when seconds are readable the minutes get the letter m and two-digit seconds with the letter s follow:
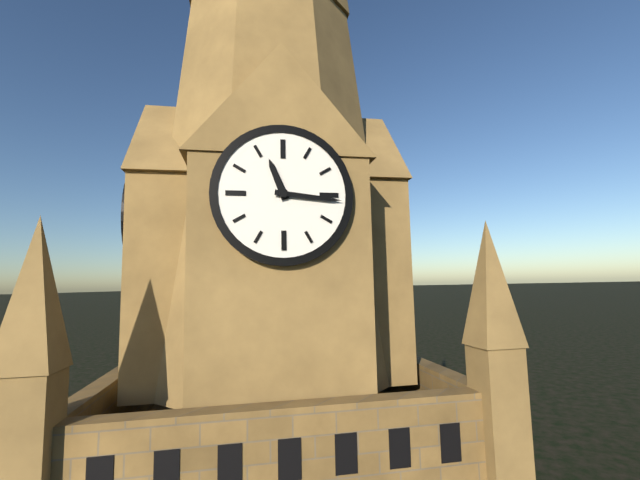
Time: 11h16
